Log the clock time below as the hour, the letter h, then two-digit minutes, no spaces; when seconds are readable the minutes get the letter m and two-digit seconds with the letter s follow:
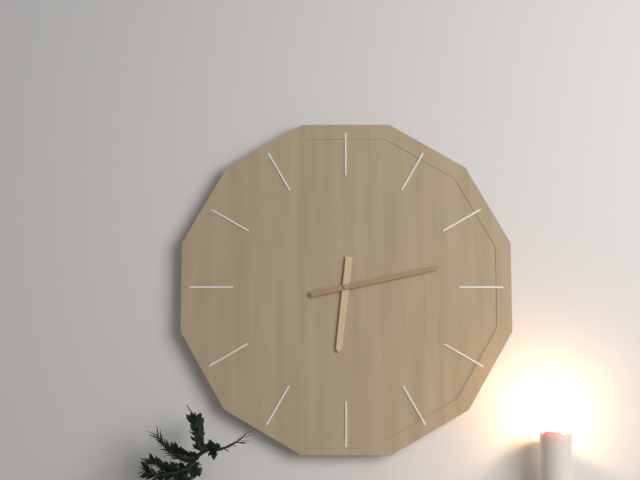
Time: 6h13
